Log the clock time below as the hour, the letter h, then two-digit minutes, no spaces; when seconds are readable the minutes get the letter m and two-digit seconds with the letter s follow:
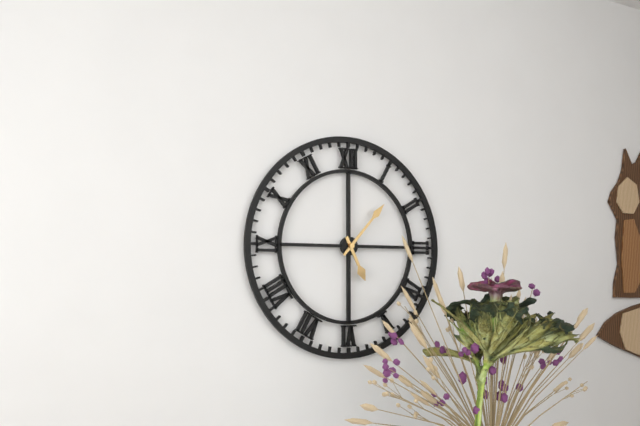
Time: 5h07
